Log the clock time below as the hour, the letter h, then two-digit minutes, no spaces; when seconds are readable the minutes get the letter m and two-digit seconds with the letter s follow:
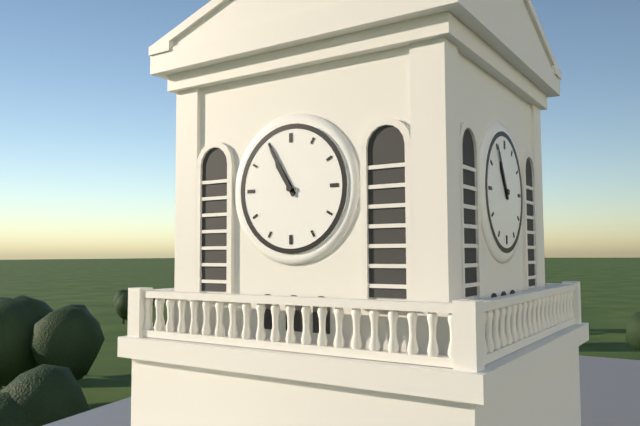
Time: 10h55
